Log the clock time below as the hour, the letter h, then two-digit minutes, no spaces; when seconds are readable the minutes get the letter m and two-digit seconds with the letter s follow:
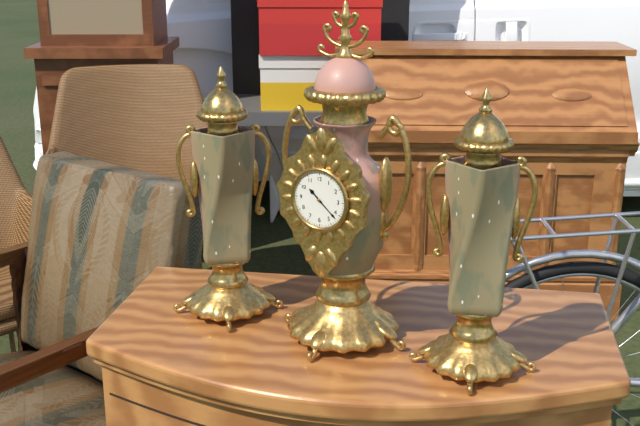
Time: 10h22
